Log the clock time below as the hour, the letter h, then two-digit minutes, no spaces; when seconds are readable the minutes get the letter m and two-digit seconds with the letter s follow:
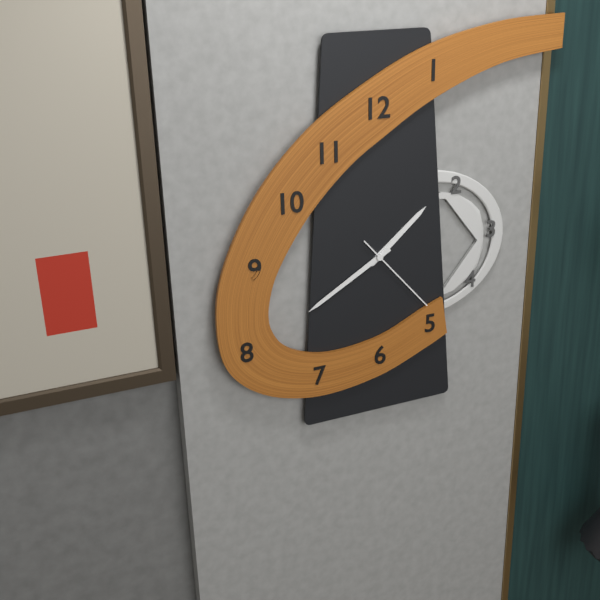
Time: 1h40m23s
